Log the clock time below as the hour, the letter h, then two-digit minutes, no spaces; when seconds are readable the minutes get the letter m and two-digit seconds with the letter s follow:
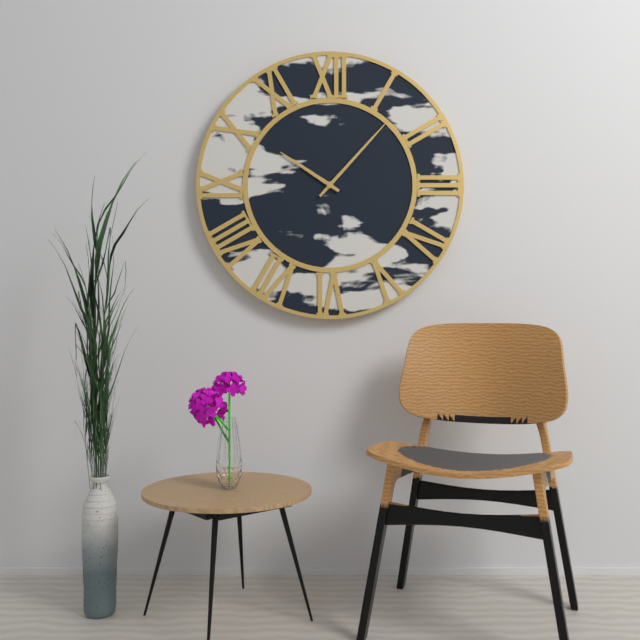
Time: 10h07
